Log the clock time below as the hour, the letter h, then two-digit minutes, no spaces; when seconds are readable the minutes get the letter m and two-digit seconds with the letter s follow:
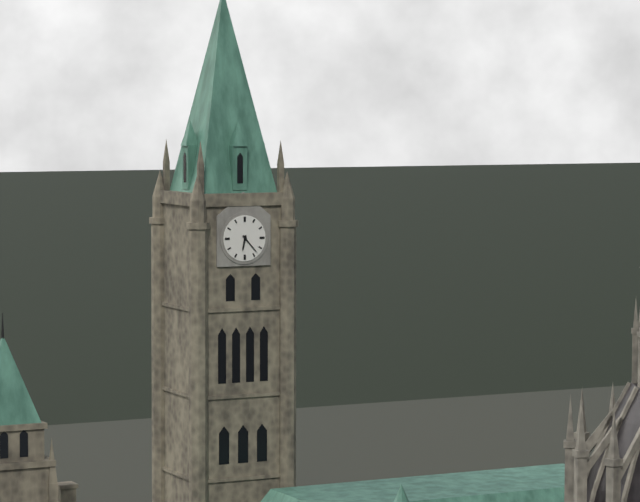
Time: 6h23
